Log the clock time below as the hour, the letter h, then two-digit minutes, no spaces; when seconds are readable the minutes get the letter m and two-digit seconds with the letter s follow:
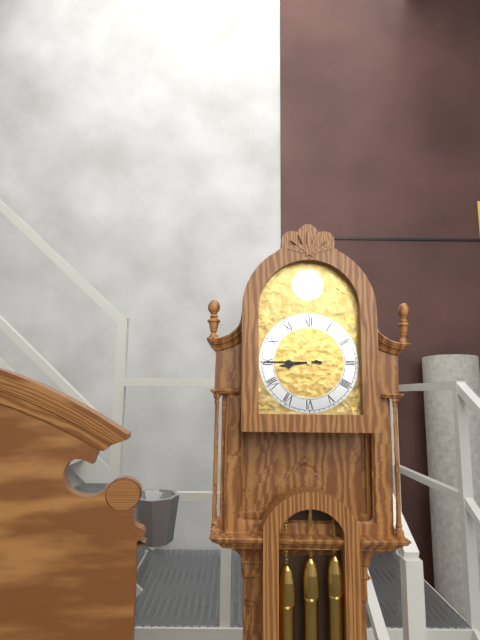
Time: 8h45
